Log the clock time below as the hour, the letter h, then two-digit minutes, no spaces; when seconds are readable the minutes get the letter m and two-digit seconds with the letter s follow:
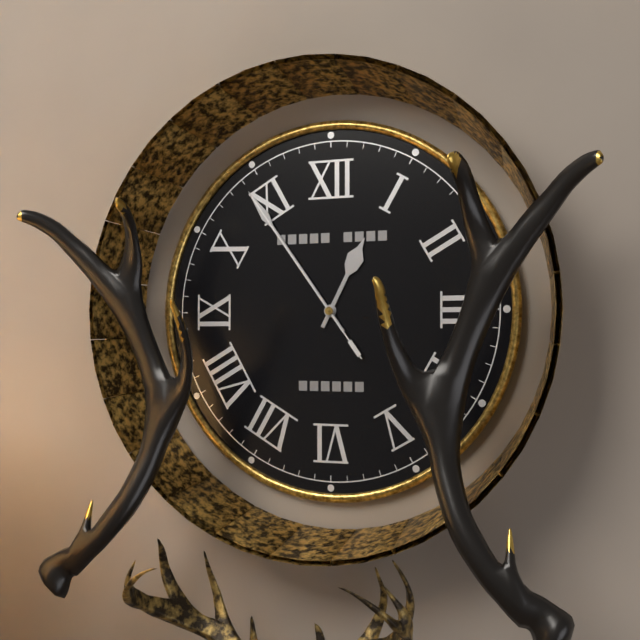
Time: 12h54m54s
